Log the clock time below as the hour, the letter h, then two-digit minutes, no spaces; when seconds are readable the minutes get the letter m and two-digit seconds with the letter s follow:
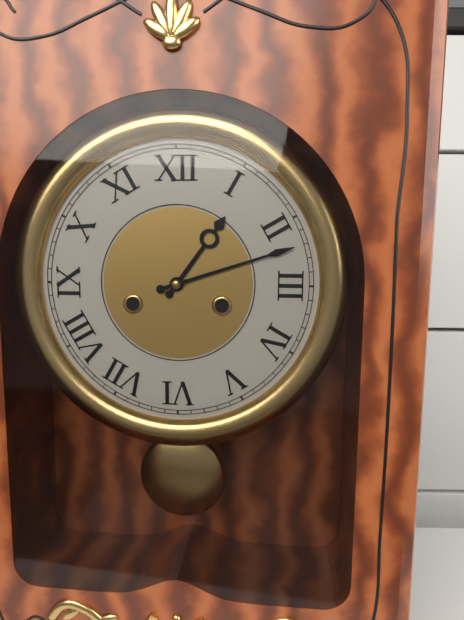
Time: 1h12
